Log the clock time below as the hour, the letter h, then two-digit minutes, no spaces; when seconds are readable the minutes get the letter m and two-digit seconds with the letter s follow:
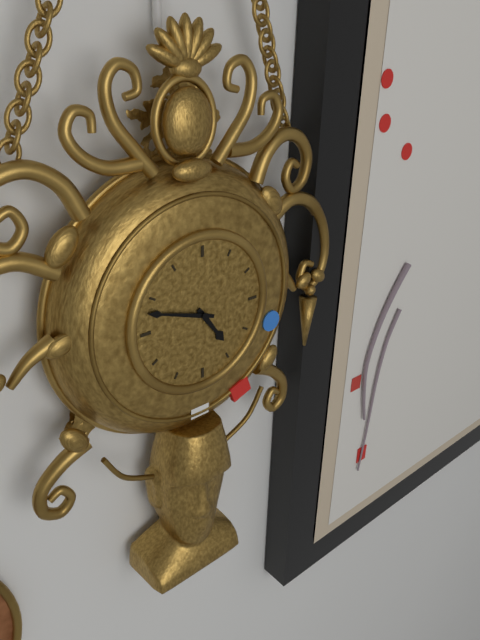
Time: 4h48
